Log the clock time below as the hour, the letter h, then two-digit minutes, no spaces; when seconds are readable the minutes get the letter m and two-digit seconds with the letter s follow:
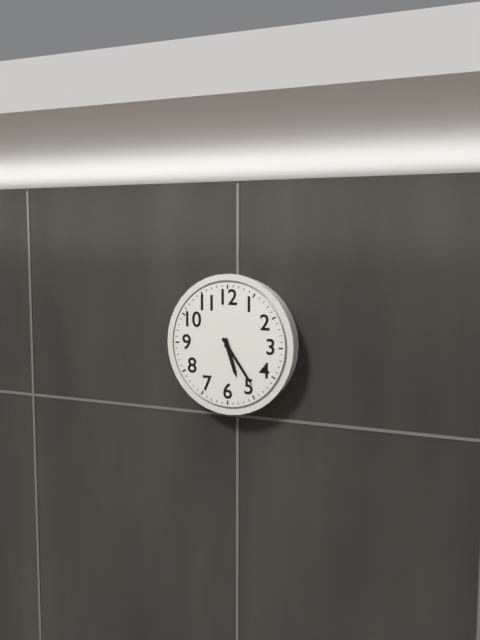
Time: 5h24
